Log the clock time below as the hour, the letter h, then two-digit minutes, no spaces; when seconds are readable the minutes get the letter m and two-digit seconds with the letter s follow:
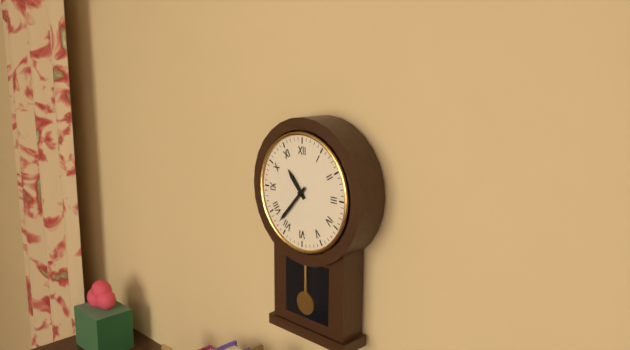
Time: 10h37
